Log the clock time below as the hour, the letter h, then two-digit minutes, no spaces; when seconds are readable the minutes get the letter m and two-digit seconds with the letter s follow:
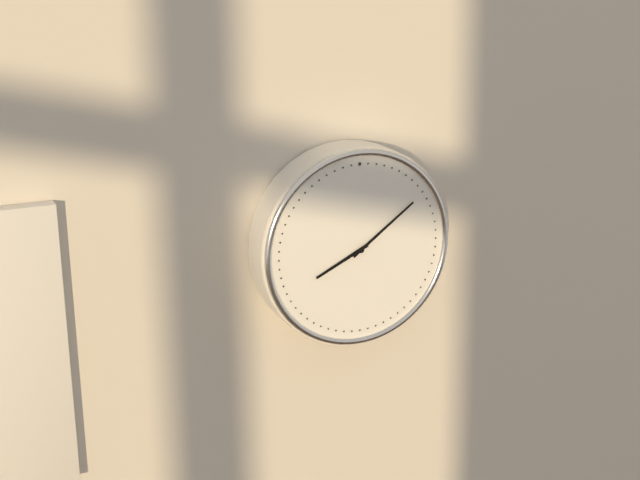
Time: 8h09
